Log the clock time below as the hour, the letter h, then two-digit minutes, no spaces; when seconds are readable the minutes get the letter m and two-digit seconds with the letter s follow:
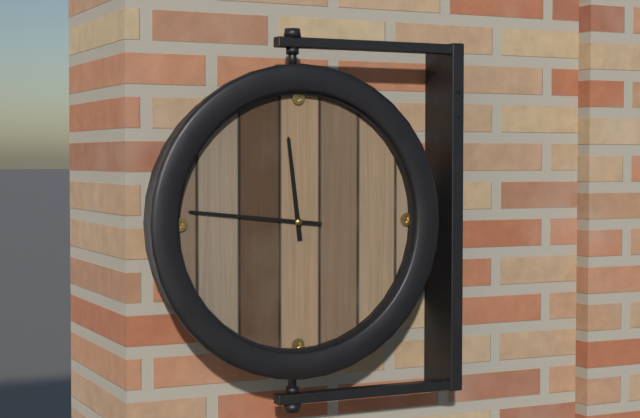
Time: 11h46
